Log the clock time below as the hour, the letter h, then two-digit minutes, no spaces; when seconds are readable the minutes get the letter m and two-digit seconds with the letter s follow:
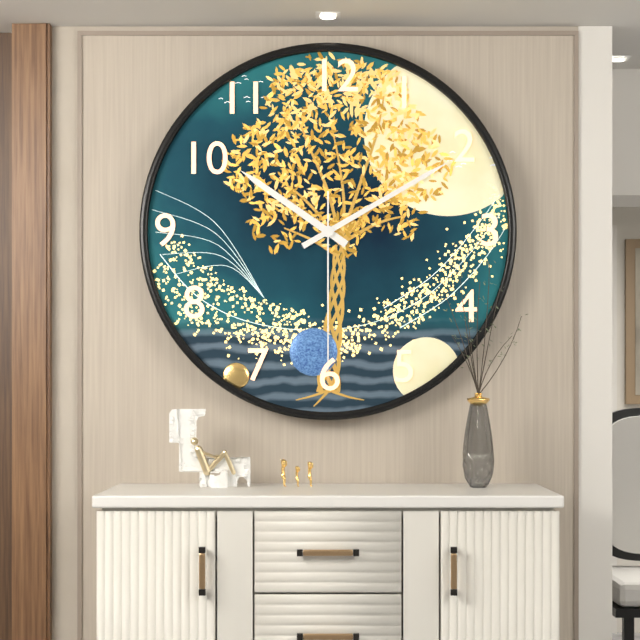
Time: 10h10m30s
